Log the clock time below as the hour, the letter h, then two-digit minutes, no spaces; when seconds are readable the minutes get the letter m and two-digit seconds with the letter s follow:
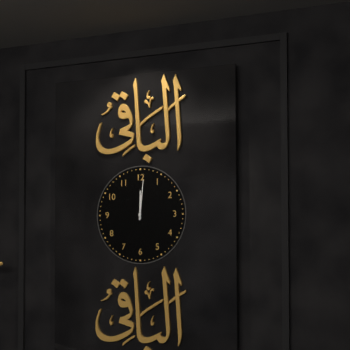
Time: 12h01
